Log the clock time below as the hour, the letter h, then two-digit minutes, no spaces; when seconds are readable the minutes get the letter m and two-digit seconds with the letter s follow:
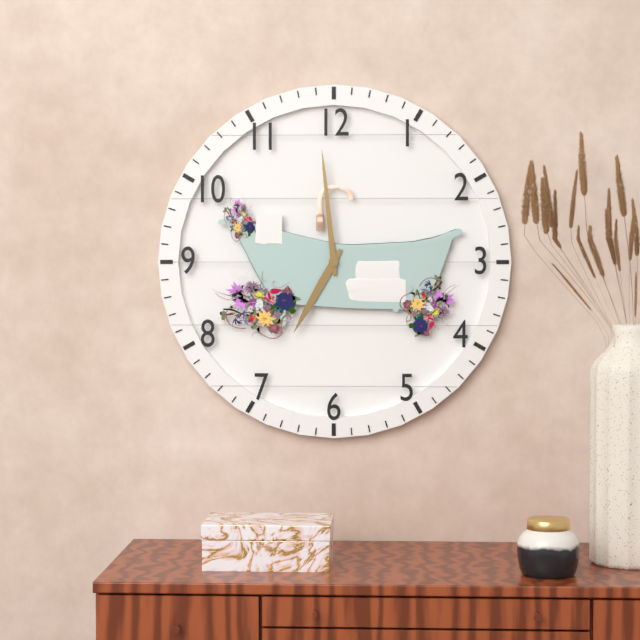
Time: 6h59
